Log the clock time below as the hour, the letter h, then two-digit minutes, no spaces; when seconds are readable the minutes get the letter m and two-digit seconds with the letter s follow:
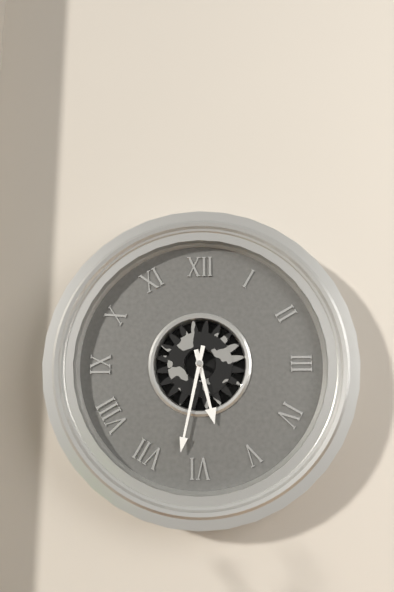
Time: 5h32
